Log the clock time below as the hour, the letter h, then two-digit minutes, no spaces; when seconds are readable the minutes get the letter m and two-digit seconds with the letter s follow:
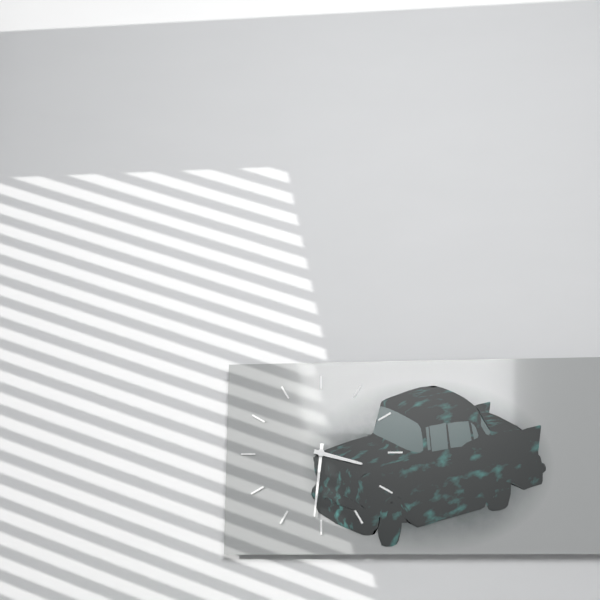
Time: 3h31
